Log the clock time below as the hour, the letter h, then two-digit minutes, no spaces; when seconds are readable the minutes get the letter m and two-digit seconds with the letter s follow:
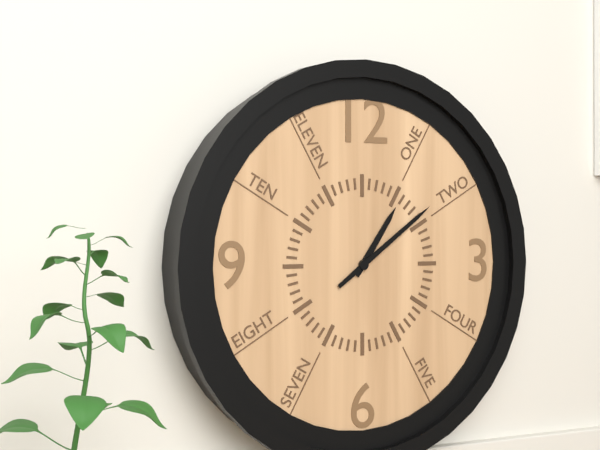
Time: 1h09
